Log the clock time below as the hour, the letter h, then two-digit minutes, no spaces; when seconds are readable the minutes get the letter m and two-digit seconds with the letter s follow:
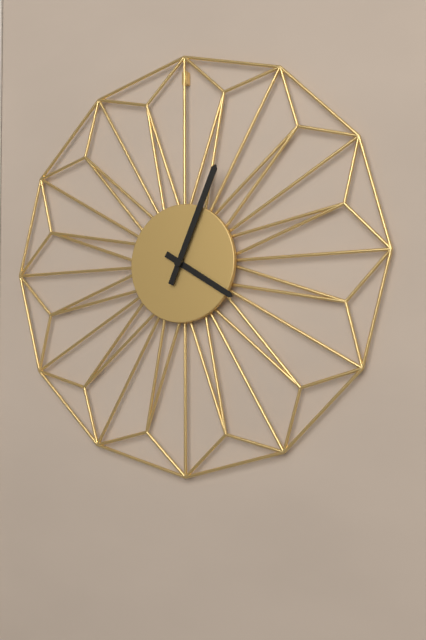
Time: 4h04
